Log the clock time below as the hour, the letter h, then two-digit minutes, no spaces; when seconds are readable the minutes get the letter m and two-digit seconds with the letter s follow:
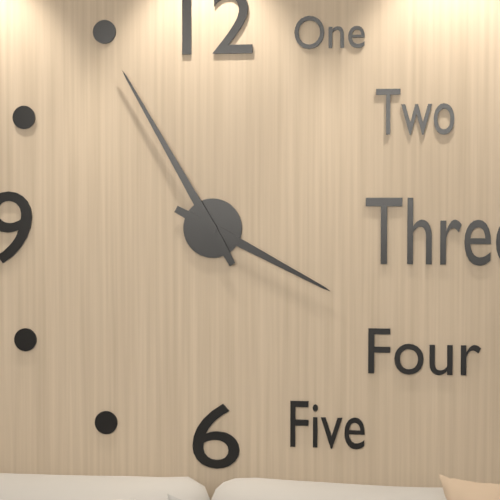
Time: 3h55
